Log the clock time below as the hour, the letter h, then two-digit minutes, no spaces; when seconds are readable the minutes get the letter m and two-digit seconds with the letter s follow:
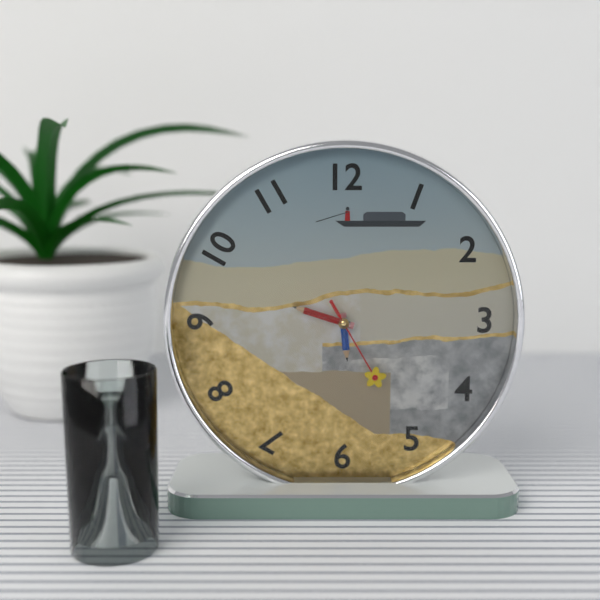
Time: 5h48m25s
